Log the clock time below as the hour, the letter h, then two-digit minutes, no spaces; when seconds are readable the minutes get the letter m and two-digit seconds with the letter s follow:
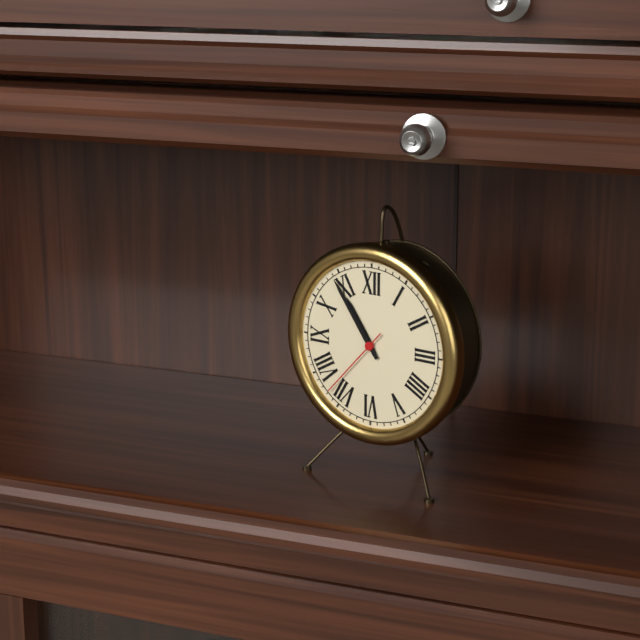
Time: 10h54m37s
